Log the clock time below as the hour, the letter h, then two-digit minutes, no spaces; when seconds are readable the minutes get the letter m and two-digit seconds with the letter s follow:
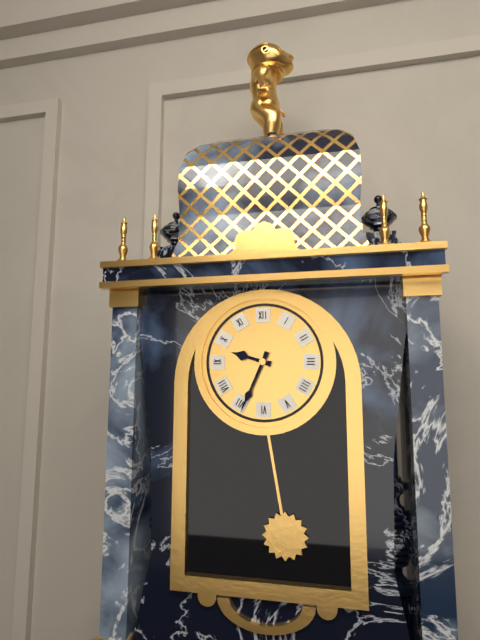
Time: 9h34
